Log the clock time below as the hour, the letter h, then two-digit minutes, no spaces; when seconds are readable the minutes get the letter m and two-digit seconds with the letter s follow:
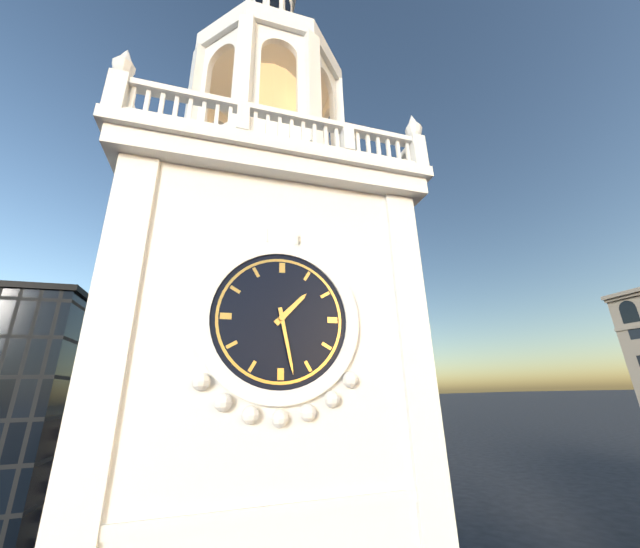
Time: 1h28
